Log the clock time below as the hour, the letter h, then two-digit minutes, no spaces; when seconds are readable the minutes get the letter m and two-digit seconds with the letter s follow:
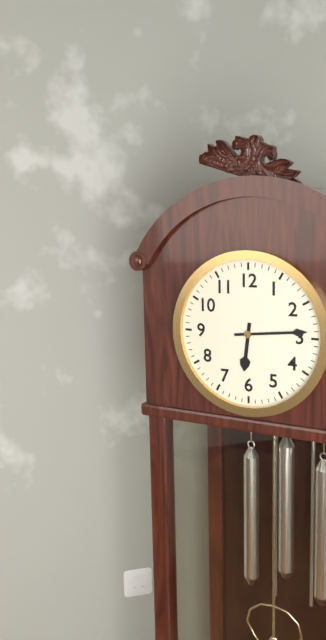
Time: 6h14
